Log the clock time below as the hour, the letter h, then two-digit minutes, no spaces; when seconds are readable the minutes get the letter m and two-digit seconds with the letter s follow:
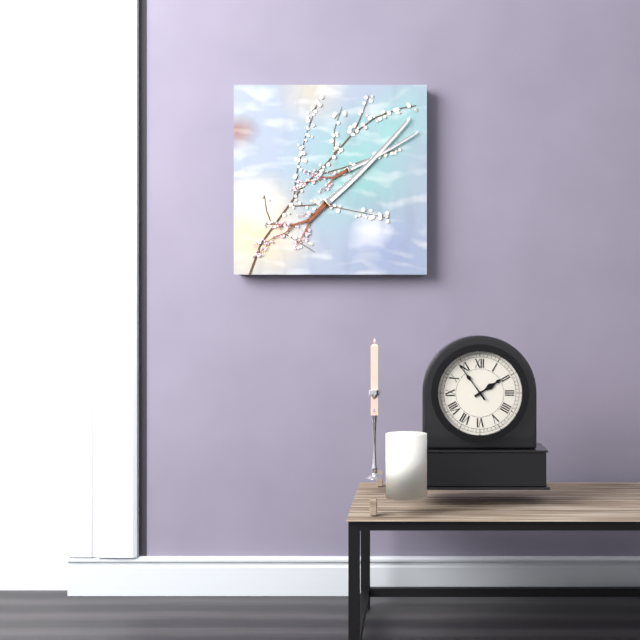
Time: 1h54
